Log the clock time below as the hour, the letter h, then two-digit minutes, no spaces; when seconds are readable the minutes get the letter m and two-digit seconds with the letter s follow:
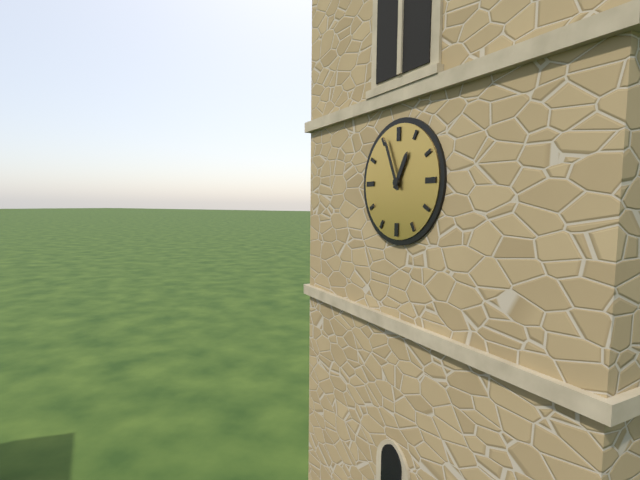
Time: 12h56
